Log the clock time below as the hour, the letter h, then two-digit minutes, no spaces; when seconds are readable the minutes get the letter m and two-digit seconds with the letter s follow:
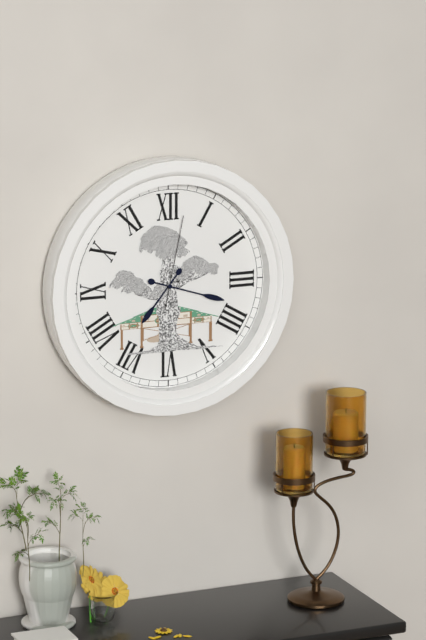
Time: 7h18m02s
